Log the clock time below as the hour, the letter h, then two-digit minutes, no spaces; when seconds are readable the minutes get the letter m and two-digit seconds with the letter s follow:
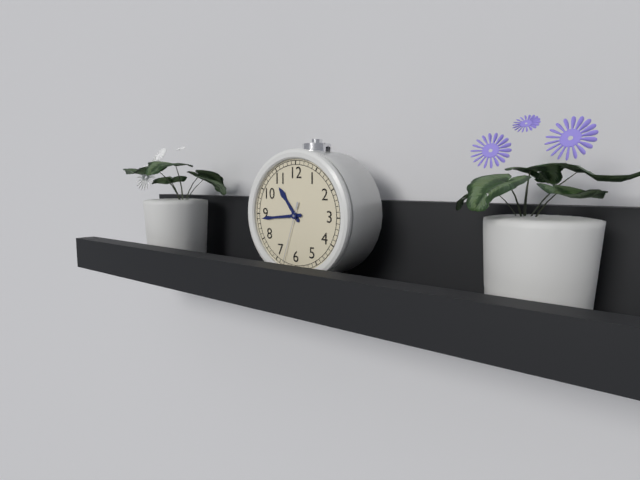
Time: 10h44m33s
